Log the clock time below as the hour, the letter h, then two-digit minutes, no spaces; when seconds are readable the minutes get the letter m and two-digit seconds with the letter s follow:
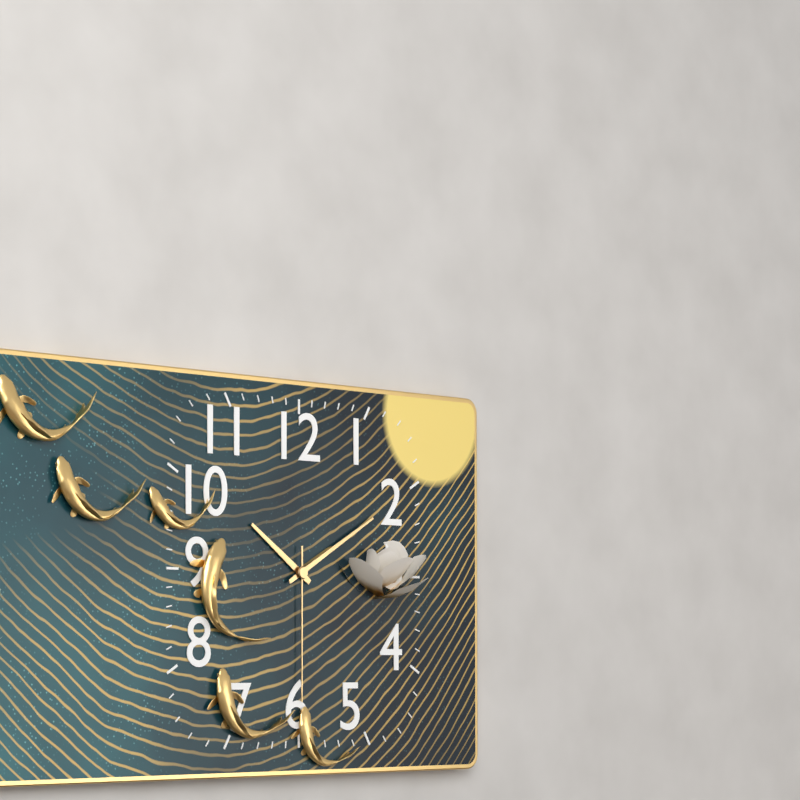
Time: 10h10m30s
